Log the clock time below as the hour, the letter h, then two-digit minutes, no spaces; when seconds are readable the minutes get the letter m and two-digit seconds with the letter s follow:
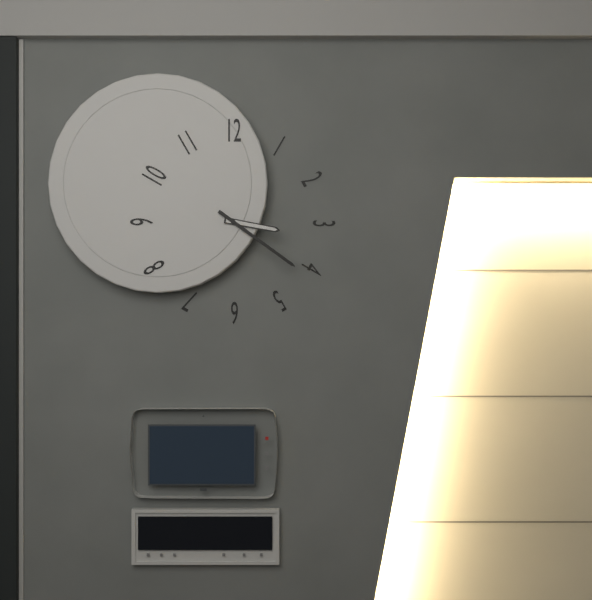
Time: 3h21
